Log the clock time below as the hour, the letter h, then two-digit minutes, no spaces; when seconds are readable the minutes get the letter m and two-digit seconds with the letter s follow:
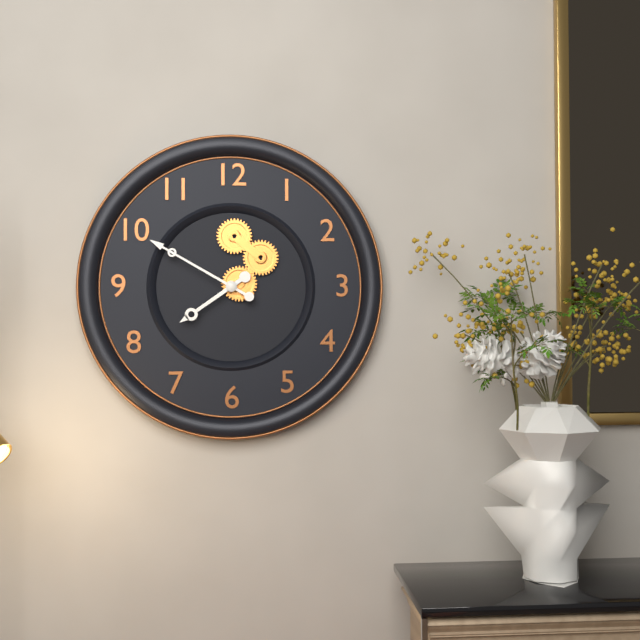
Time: 7h50
